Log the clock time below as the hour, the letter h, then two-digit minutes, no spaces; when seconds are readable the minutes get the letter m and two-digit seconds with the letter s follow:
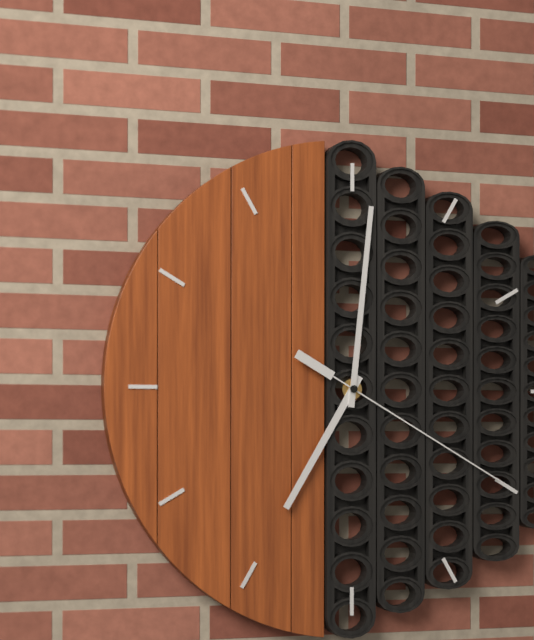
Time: 7h01m20s
